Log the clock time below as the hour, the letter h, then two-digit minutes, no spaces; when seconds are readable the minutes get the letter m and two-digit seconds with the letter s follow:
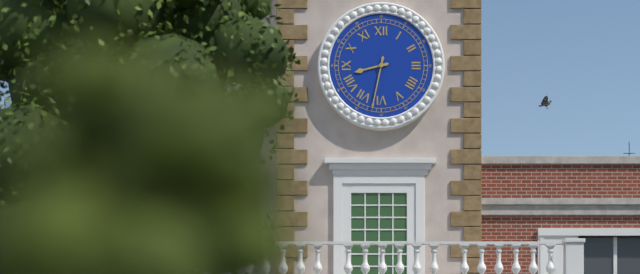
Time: 8h32
